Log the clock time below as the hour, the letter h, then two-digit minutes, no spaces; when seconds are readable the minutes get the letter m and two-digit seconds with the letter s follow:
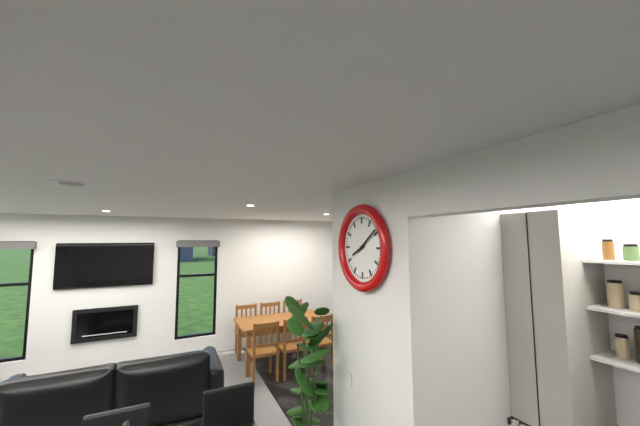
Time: 8h09
